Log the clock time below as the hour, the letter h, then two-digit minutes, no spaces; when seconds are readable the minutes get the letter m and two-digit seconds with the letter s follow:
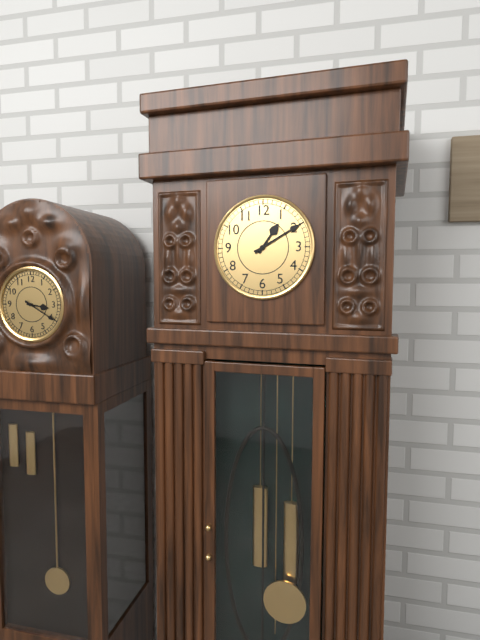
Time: 1h10
